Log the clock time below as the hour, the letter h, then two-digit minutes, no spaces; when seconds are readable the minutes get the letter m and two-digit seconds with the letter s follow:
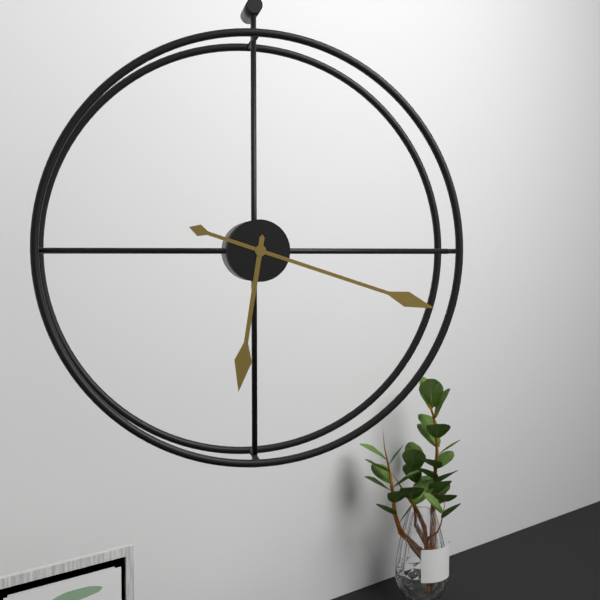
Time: 6h18
